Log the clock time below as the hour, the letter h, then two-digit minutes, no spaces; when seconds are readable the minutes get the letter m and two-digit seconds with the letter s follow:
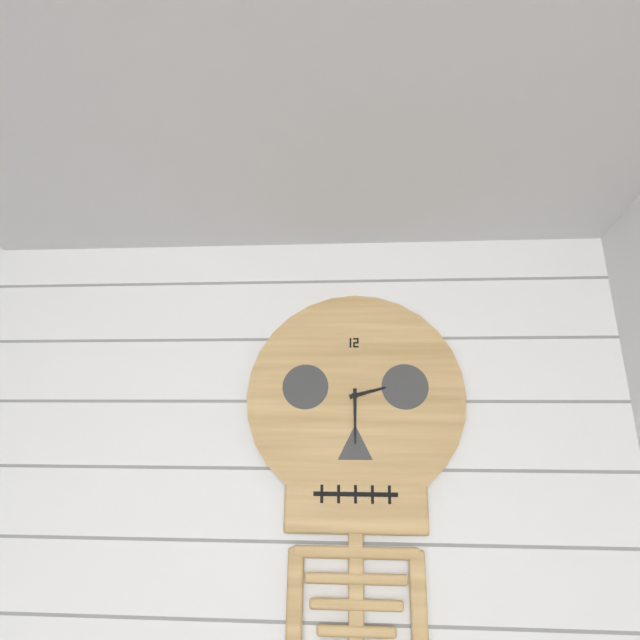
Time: 2h30
